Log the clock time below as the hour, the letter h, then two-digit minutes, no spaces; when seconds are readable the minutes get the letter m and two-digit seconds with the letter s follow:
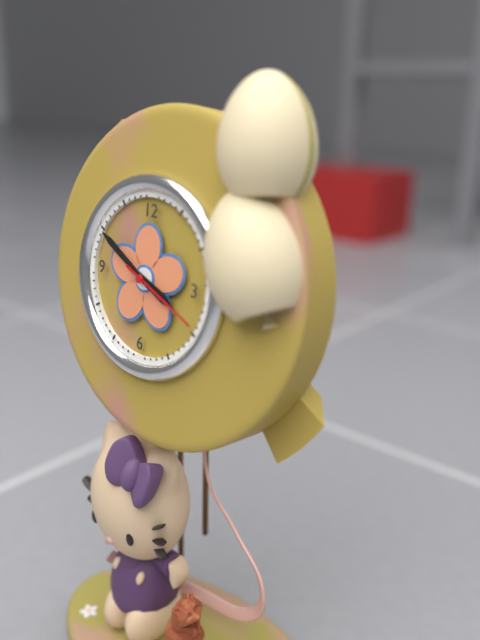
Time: 3h50m19s
